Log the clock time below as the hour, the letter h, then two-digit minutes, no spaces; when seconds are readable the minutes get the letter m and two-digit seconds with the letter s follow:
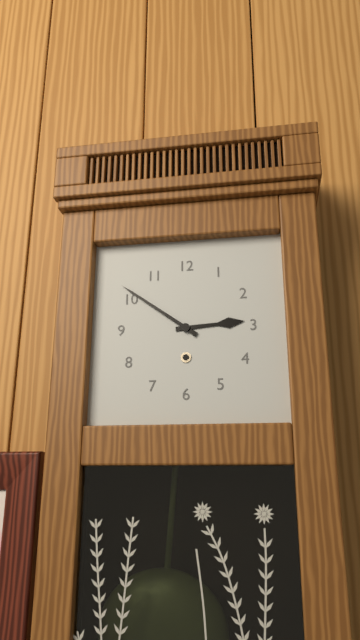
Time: 2h51
